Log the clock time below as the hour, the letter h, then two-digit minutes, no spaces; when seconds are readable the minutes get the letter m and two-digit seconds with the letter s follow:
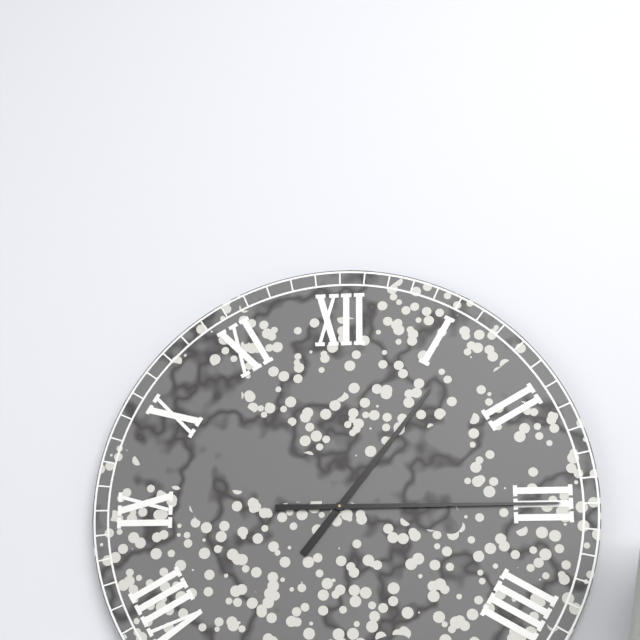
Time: 1h15
